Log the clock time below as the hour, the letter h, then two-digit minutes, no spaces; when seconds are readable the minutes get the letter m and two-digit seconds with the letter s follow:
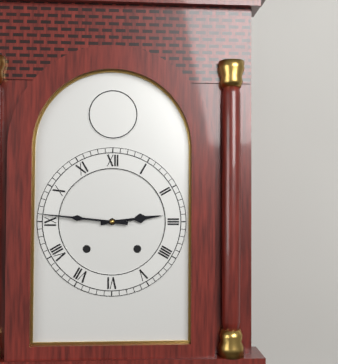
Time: 2h46
